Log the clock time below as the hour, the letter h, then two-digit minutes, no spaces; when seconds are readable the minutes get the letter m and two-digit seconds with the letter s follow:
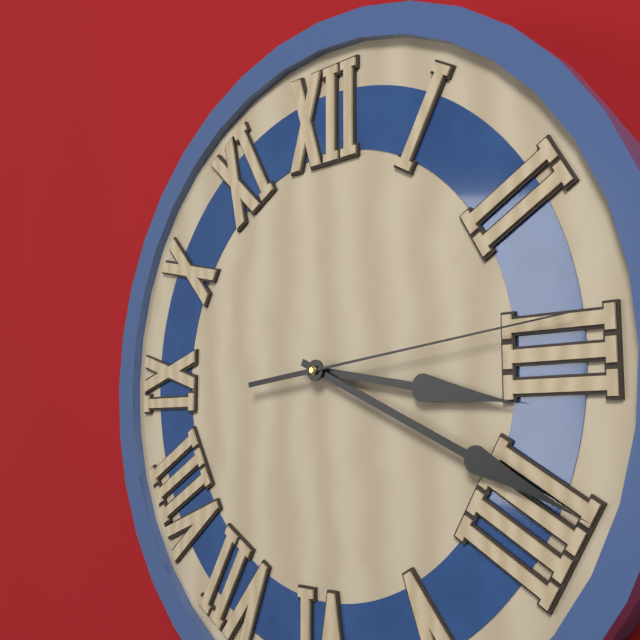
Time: 3h19m14s
